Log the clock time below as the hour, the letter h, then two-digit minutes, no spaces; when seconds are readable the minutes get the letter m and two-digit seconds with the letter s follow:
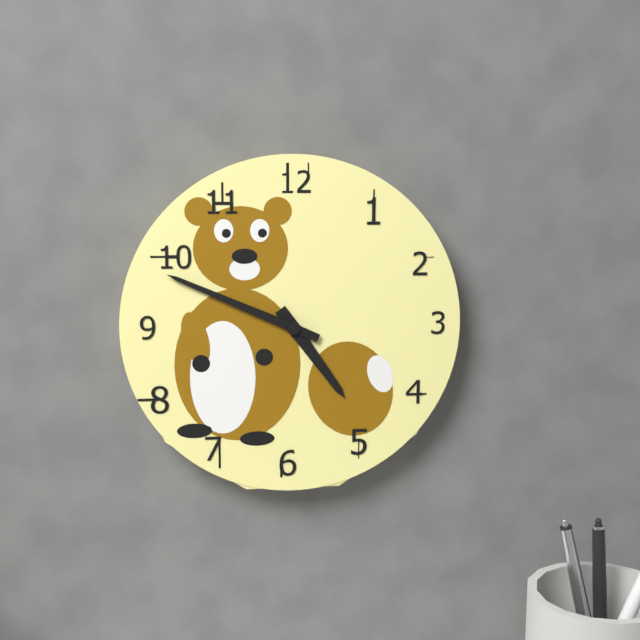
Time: 4h49
